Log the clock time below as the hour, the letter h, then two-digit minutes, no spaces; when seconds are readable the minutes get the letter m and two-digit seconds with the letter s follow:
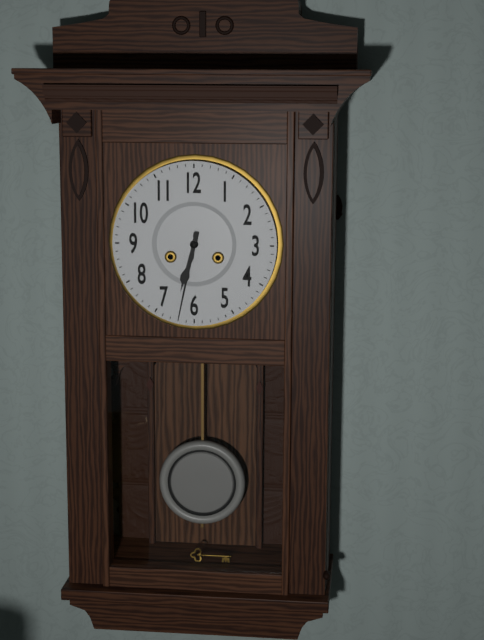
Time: 6h32
